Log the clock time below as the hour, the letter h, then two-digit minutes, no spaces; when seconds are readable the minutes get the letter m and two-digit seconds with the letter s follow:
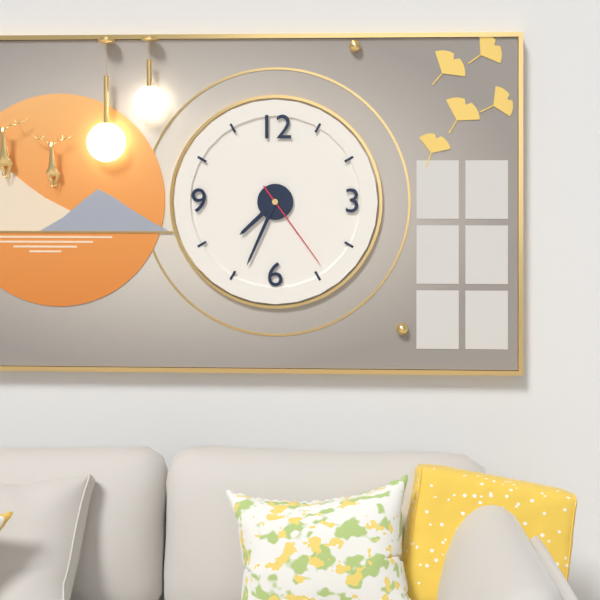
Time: 7h34m24s
